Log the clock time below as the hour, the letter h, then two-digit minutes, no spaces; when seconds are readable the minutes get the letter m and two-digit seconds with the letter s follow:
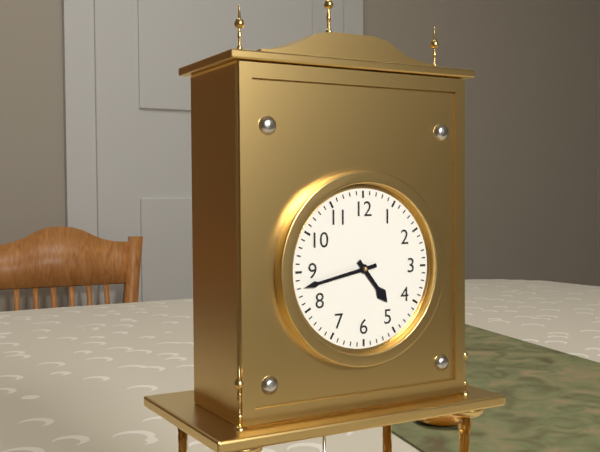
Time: 4h43
